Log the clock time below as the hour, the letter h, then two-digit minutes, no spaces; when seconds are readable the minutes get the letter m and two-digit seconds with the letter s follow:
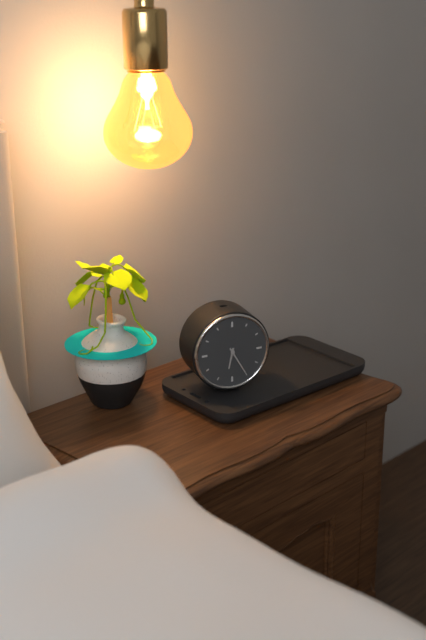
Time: 6h25
